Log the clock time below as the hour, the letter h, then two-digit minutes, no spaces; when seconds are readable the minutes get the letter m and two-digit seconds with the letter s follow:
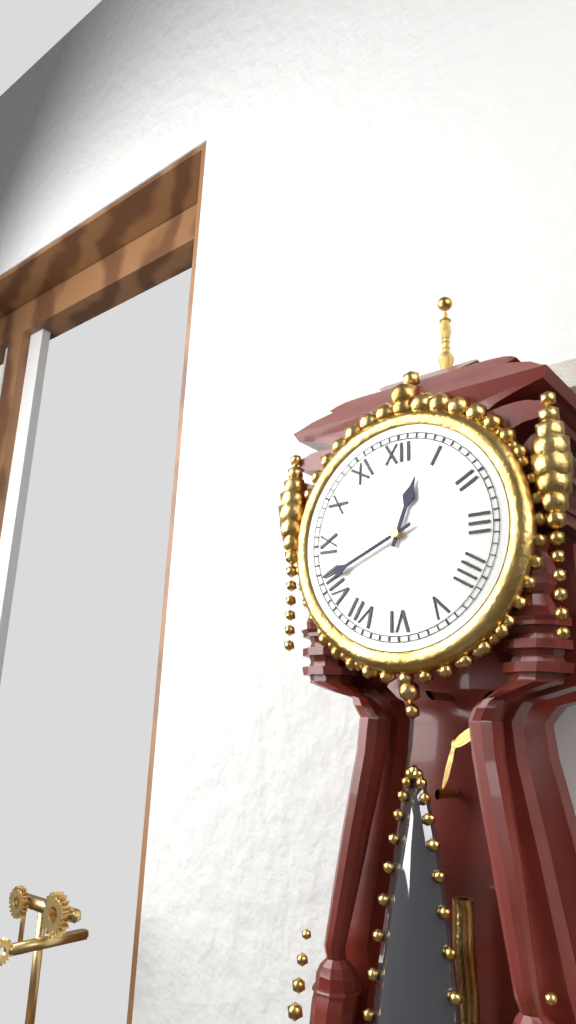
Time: 12h41
